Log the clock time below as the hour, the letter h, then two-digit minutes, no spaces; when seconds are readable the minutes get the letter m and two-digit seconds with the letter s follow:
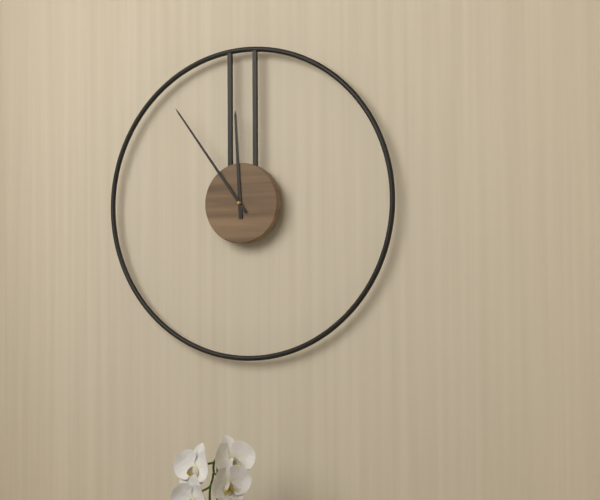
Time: 11h54
